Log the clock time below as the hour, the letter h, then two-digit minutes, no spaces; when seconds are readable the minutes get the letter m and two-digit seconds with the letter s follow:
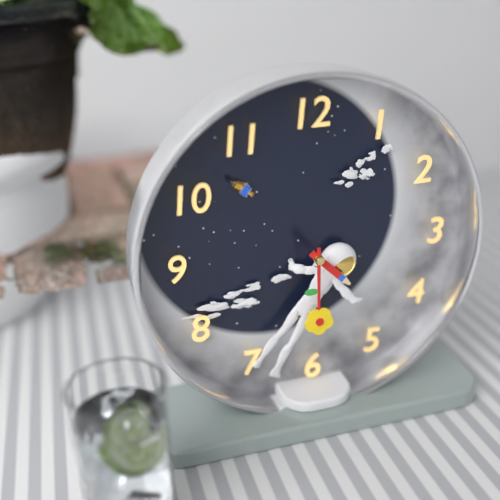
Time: 4h30
